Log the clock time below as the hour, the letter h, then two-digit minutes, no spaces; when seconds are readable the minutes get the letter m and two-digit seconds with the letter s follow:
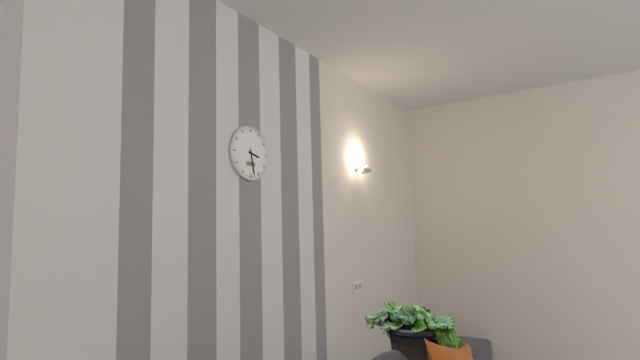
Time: 3h28
